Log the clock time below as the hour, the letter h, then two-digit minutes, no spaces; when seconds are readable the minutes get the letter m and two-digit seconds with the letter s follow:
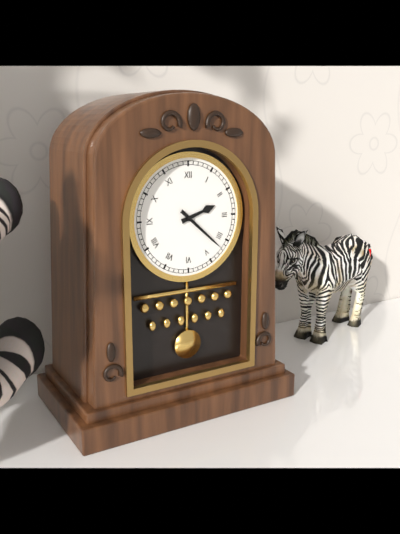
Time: 2h22
